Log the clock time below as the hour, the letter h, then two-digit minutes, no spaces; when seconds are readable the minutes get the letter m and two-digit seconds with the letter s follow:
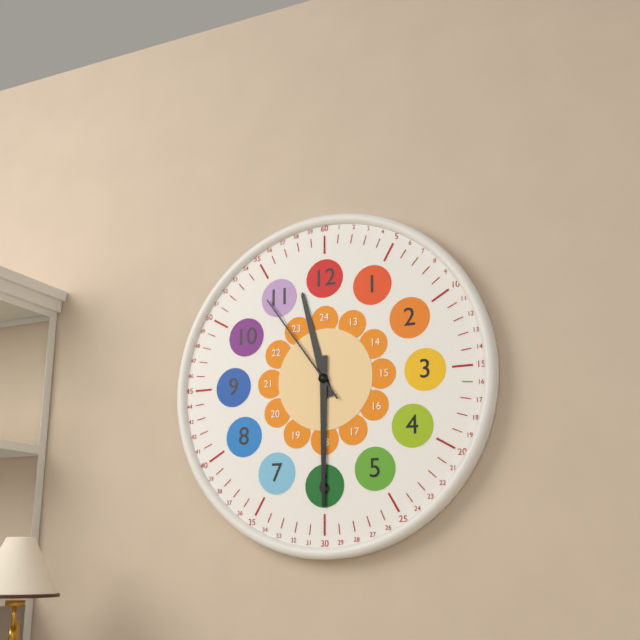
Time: 11h30m54s
